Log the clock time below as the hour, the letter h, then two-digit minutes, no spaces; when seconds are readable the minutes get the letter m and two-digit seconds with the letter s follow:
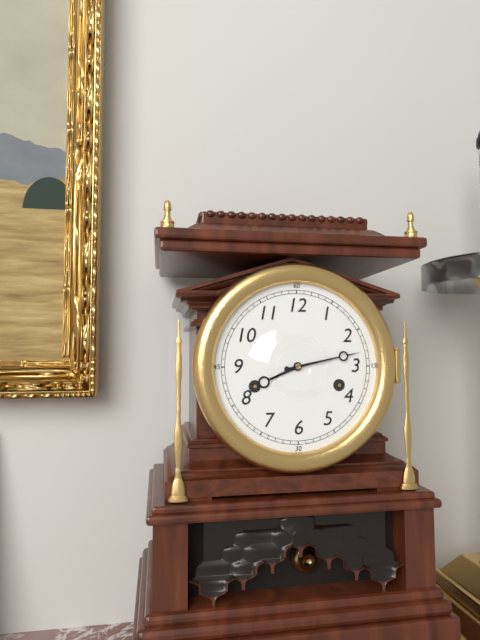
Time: 8h13
